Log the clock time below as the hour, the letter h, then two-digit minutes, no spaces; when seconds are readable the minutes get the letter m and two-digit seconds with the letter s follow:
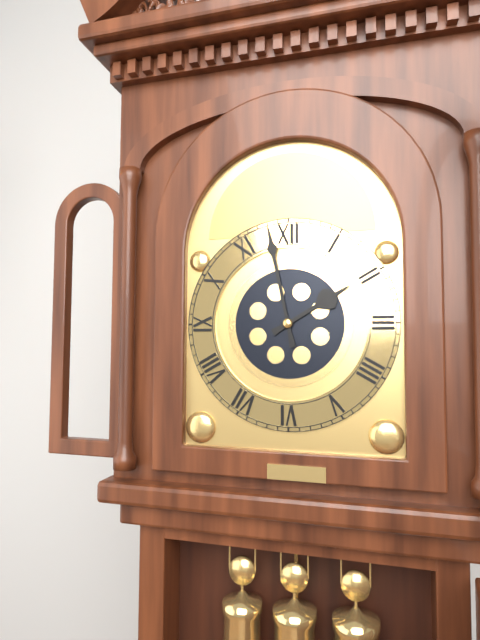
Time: 1h58
